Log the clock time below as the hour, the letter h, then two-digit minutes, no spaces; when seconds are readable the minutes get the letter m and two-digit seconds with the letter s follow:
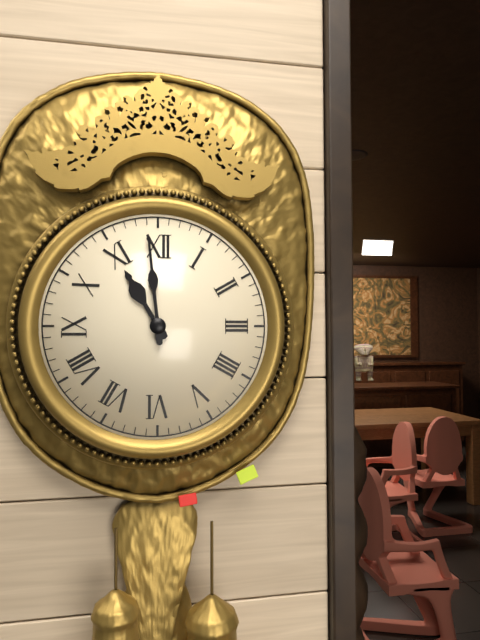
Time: 10h59
